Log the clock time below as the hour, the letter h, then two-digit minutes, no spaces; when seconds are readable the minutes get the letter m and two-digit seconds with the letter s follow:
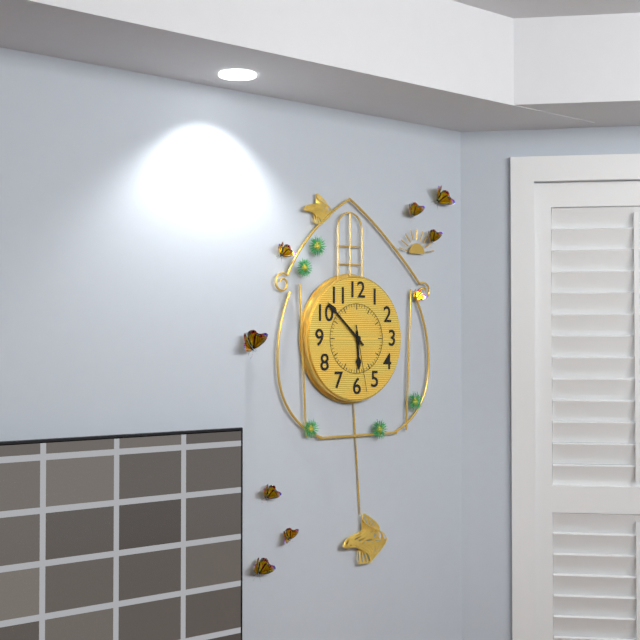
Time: 5h52m28s
